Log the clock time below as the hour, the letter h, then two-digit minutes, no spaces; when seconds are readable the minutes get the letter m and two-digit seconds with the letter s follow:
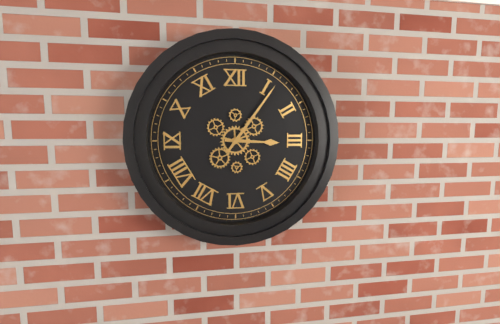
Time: 3h06
